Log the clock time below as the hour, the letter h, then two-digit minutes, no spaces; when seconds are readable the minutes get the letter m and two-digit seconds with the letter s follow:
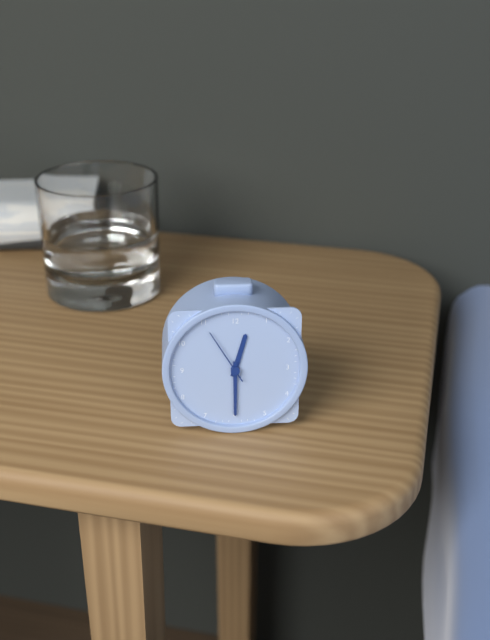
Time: 12h30m55s
